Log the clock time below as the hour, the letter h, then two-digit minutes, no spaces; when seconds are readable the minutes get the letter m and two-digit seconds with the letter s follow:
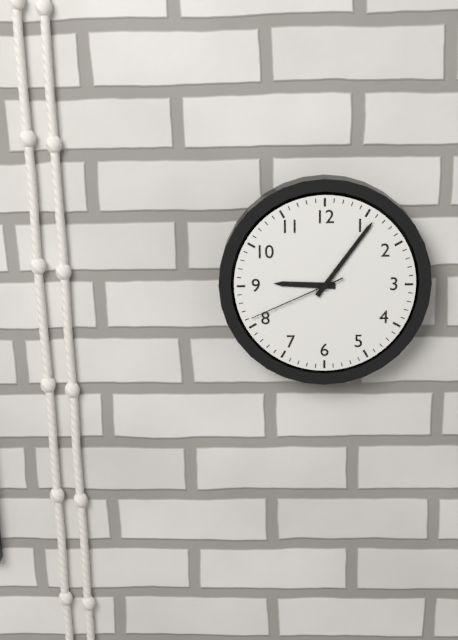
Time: 9h06m41s
